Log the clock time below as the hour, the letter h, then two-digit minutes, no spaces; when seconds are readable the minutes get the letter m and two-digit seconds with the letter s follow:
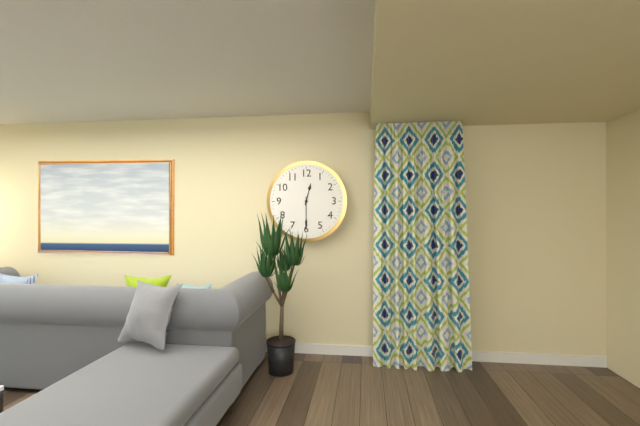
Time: 12h30
